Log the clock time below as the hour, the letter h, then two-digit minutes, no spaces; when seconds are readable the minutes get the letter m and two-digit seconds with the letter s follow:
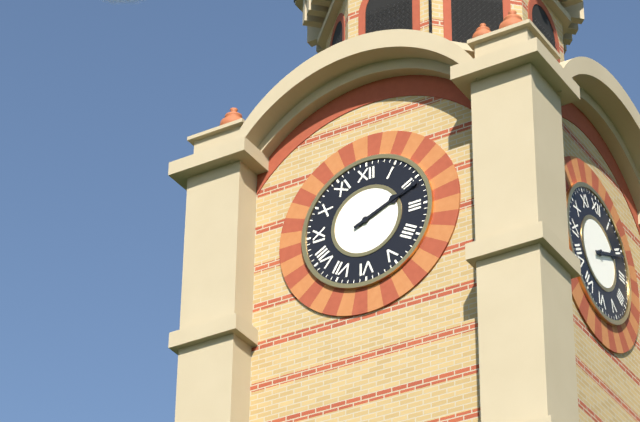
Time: 2h11
